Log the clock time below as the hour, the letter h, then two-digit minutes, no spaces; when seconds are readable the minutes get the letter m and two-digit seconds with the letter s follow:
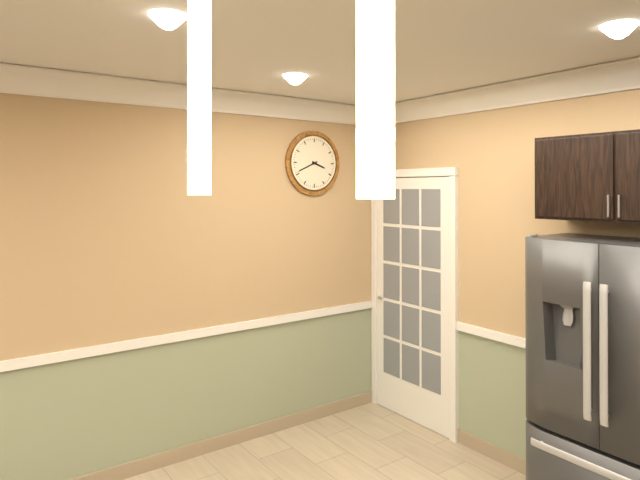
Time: 3h41
